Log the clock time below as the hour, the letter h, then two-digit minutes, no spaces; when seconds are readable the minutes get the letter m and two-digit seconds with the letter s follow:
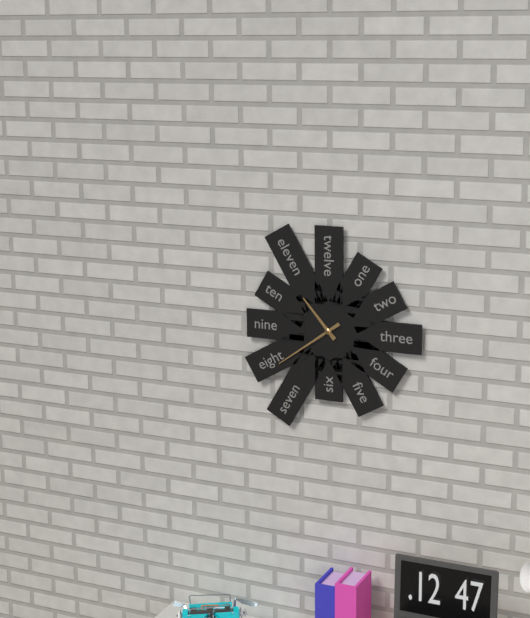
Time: 10h39
